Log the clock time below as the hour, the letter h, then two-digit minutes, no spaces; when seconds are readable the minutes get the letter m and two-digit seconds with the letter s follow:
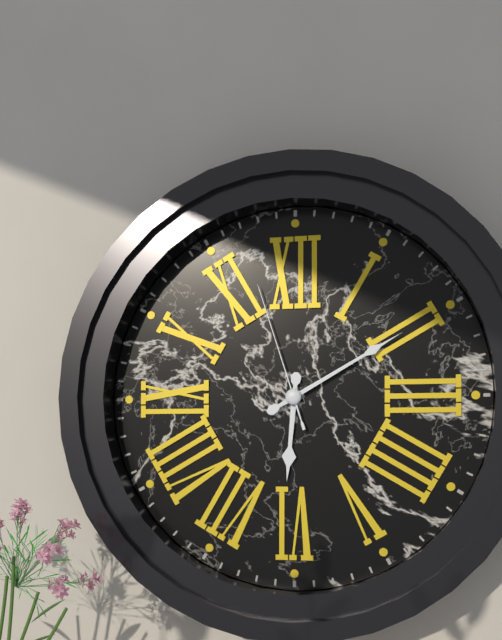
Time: 6h10m57s
